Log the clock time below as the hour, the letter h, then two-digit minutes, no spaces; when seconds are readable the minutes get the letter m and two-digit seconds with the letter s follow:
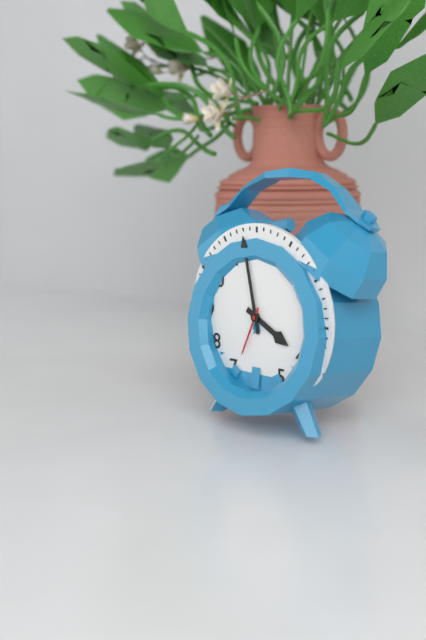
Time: 3h58m34s
